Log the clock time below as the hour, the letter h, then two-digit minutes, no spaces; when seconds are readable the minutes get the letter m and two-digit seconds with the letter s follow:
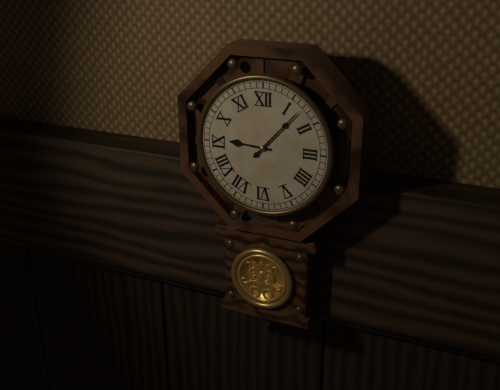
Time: 9h07
